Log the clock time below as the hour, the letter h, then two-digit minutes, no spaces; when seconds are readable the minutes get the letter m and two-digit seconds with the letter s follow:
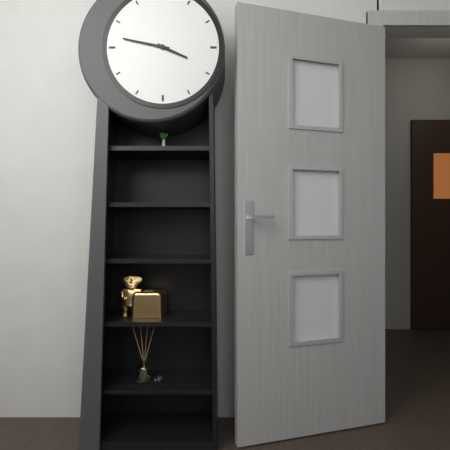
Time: 3h47
